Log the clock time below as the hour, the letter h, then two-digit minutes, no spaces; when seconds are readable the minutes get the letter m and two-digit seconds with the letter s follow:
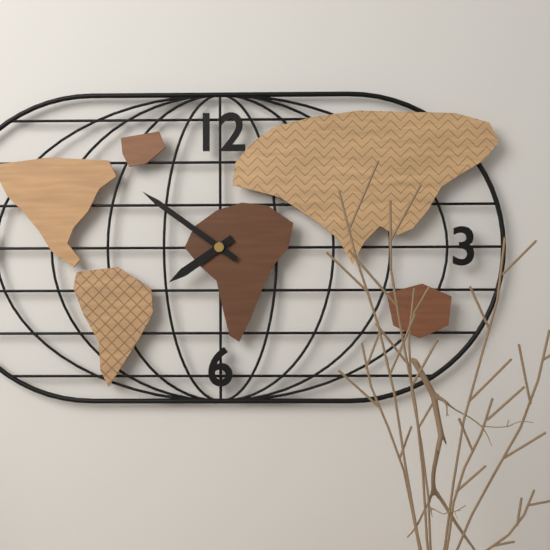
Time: 7h51
